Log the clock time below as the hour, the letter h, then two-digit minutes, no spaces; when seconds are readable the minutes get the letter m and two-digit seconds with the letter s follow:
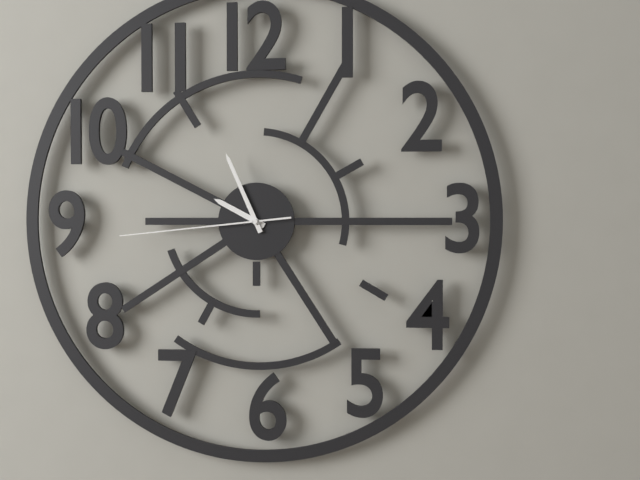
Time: 9h56m44s
